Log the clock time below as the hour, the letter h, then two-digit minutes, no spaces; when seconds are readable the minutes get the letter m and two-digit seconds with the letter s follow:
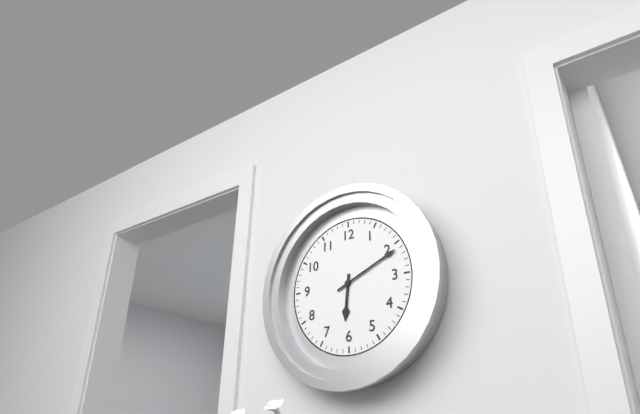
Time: 6h11
